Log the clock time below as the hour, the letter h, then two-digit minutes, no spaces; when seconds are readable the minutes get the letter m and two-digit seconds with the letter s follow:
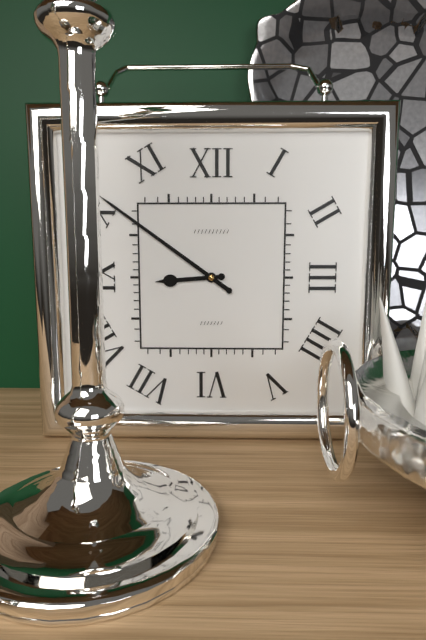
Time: 8h51
